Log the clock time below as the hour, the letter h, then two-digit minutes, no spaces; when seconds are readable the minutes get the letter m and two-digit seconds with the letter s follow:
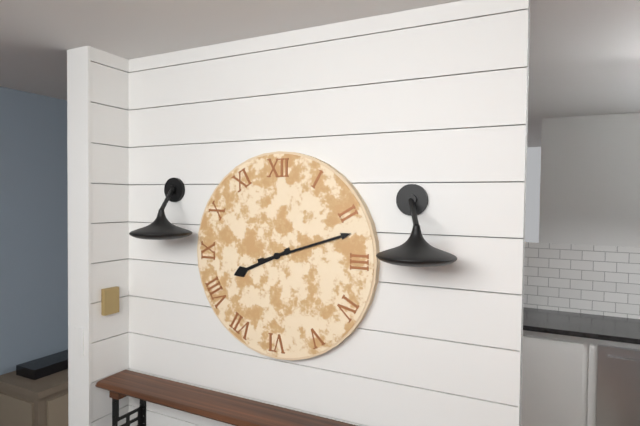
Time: 8h12
